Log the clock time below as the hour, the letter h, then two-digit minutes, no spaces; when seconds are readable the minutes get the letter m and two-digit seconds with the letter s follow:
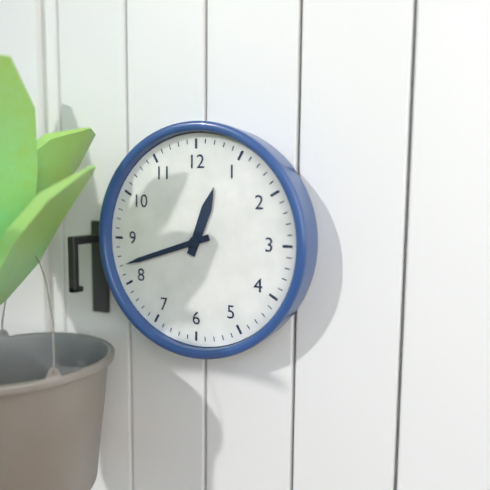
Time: 12h42
